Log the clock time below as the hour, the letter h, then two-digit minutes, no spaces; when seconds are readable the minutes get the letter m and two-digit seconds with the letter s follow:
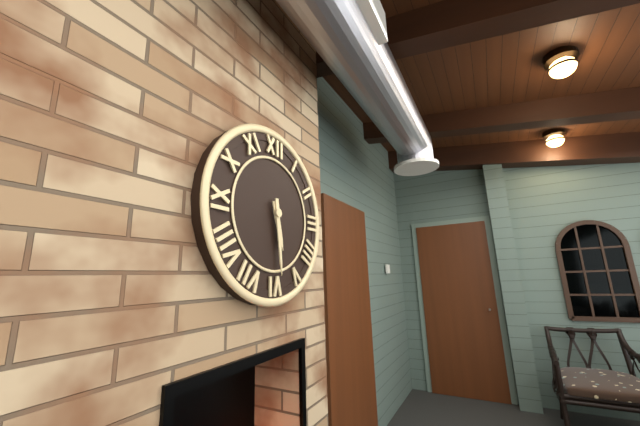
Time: 5h29
